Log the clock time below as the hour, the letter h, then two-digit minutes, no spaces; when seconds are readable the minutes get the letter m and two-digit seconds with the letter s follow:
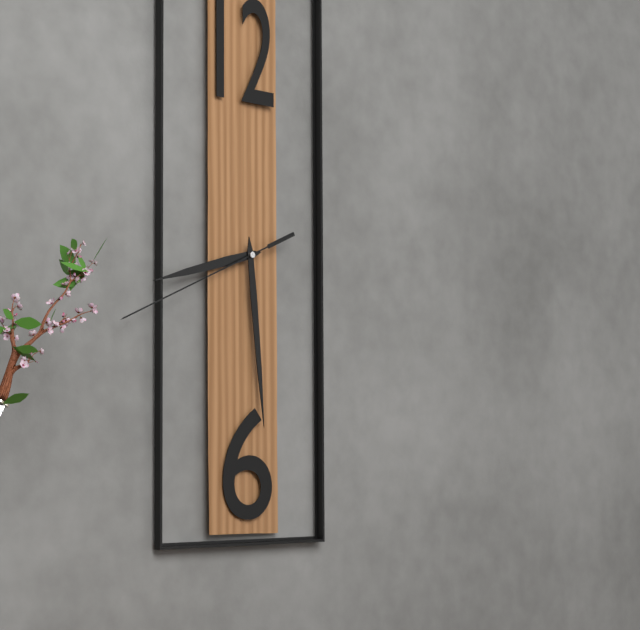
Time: 8h29m41s
